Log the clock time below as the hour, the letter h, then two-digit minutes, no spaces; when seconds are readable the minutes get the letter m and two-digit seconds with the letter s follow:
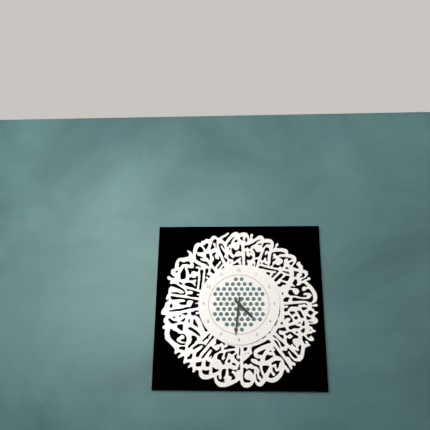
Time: 4h31
